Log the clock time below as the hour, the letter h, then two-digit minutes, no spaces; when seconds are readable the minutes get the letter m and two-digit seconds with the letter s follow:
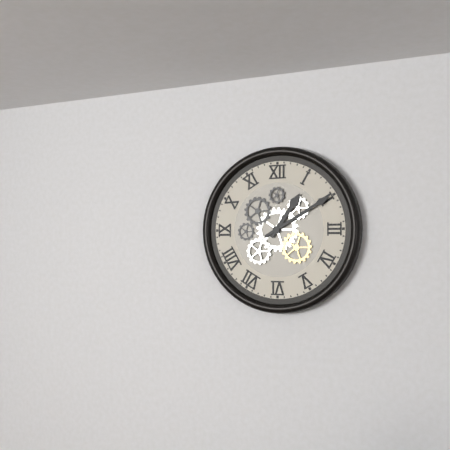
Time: 1h10
